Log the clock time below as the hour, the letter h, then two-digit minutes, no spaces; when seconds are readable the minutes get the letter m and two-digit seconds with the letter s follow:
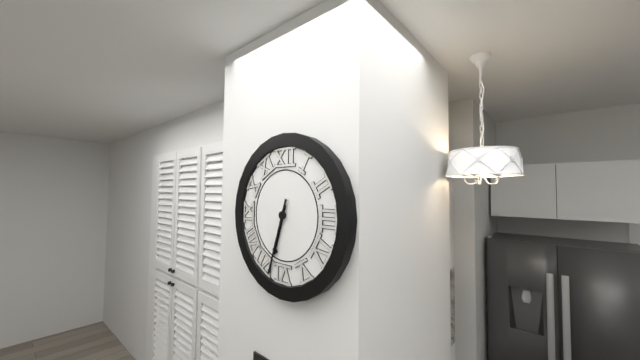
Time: 6h33
